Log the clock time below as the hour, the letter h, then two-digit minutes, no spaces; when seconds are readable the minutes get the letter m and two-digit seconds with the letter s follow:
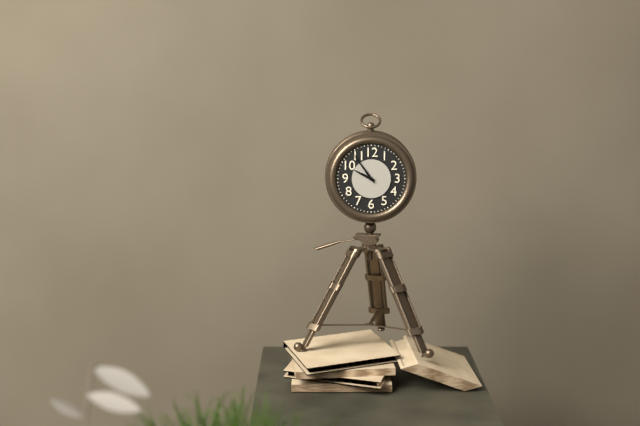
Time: 9h54
